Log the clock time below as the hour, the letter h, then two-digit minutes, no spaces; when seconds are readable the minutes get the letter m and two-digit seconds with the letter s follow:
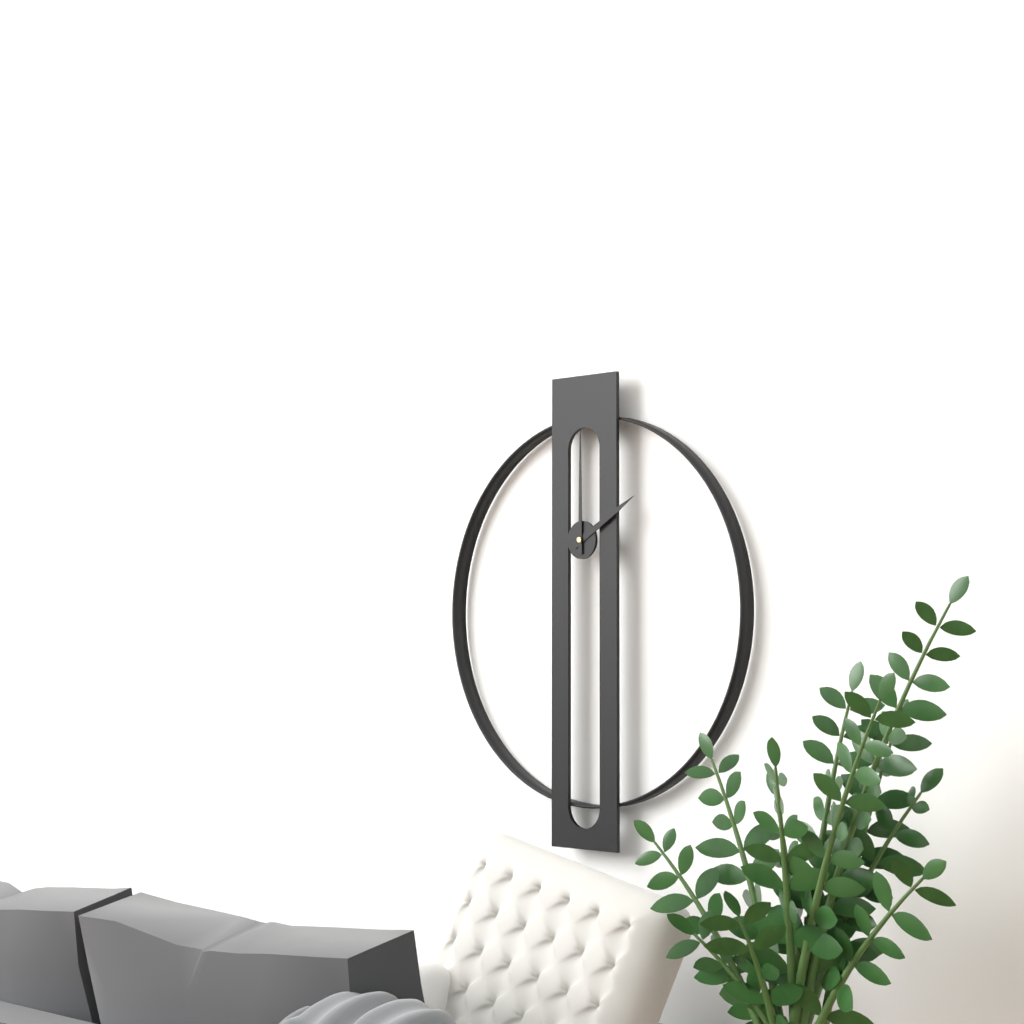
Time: 2h00
